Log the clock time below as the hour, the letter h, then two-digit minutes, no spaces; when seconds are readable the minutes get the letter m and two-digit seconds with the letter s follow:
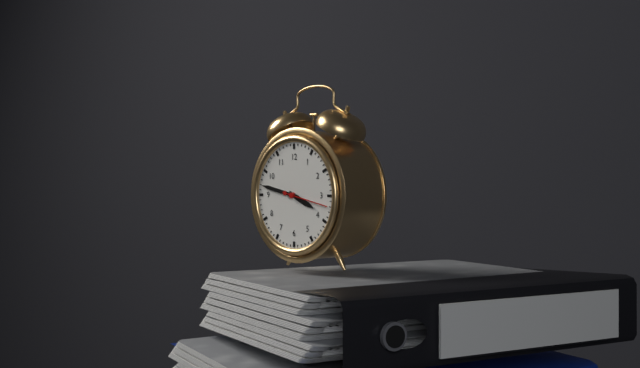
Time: 3h47
